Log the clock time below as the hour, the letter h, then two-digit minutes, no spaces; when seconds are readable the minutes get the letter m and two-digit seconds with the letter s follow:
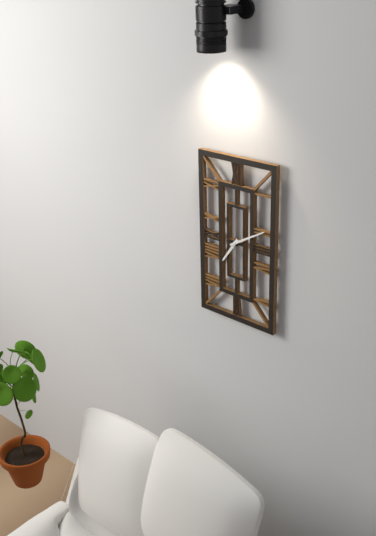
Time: 7h10
